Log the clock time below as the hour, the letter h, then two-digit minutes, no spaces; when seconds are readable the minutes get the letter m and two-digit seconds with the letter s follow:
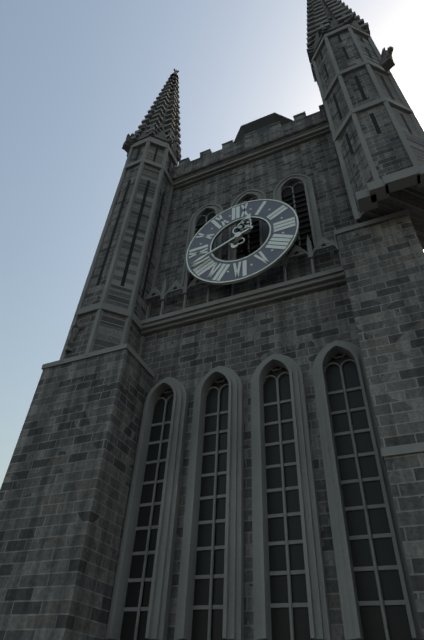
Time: 12h41
